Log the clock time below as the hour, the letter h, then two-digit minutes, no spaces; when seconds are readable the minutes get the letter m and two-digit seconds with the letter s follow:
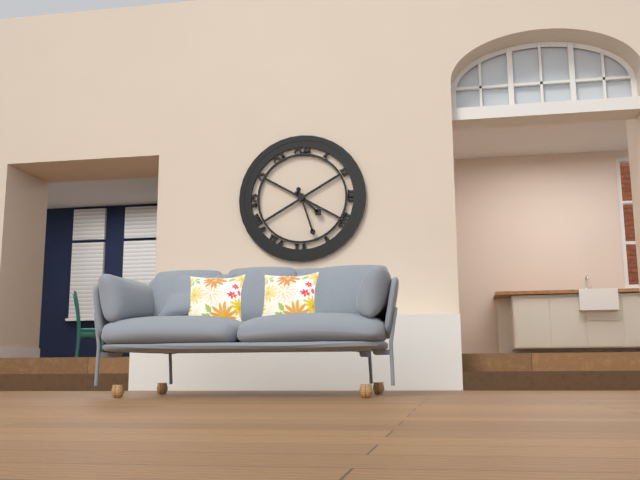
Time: 4h27
